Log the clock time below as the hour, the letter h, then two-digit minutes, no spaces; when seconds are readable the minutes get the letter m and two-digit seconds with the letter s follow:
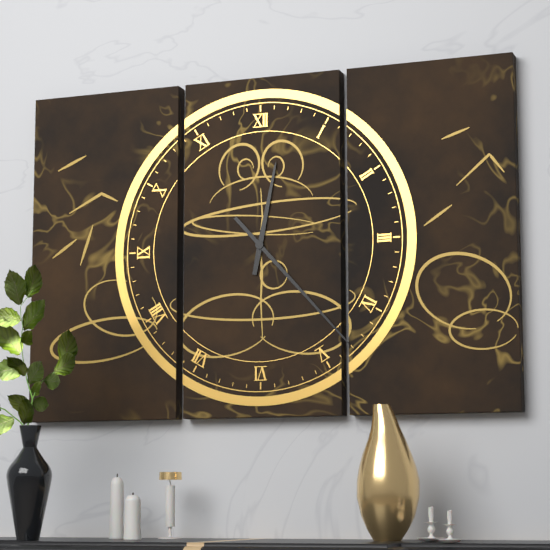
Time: 12h23
